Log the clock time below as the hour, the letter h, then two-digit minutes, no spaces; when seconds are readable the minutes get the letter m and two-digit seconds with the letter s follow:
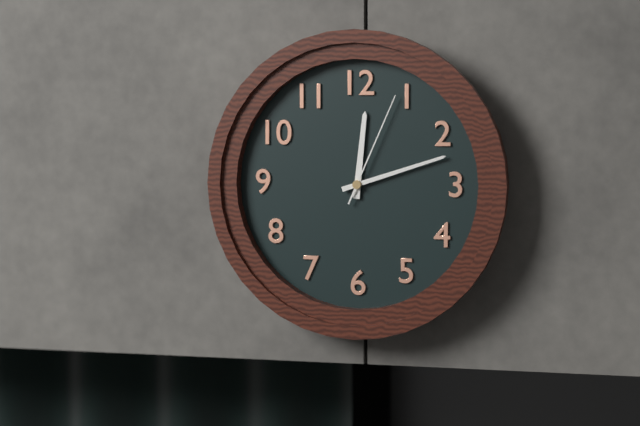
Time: 12h12m04s
